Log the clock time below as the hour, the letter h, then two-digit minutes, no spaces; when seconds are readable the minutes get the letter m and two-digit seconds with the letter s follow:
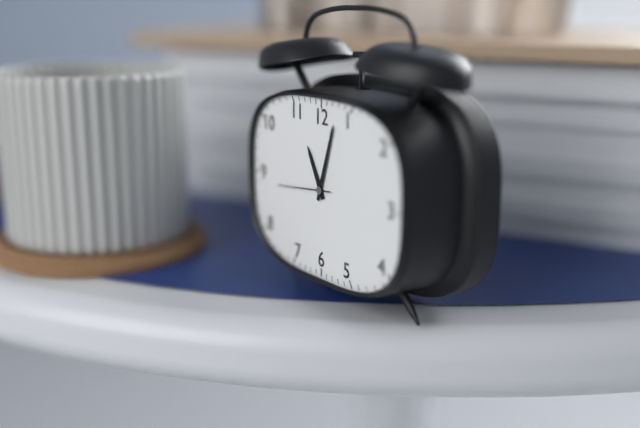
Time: 11h03m44s
